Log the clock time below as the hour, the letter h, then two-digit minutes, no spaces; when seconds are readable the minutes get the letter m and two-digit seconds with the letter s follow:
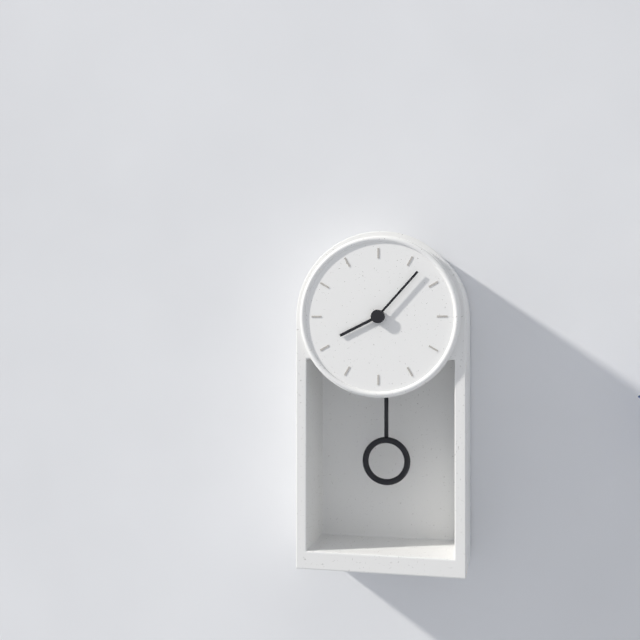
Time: 8h07
